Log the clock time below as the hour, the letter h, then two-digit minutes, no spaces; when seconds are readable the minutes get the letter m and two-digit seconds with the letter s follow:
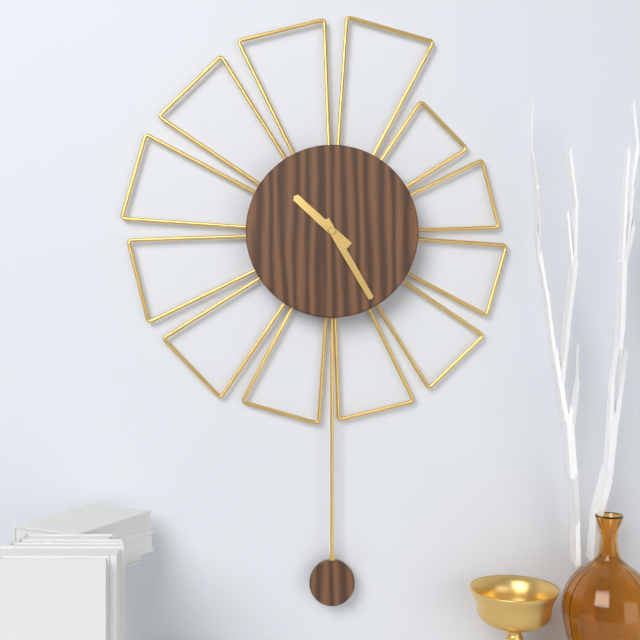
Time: 10h25
